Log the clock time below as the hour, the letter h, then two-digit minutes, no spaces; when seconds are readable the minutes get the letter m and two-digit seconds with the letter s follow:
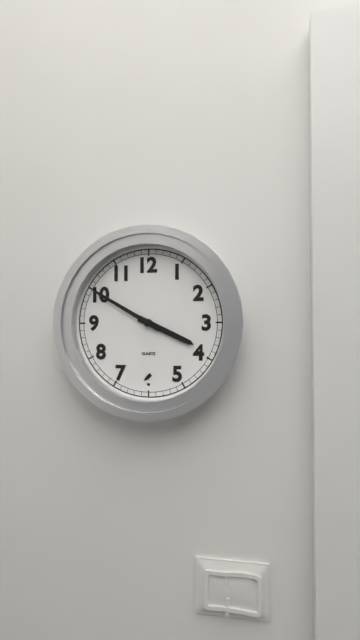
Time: 3h50
